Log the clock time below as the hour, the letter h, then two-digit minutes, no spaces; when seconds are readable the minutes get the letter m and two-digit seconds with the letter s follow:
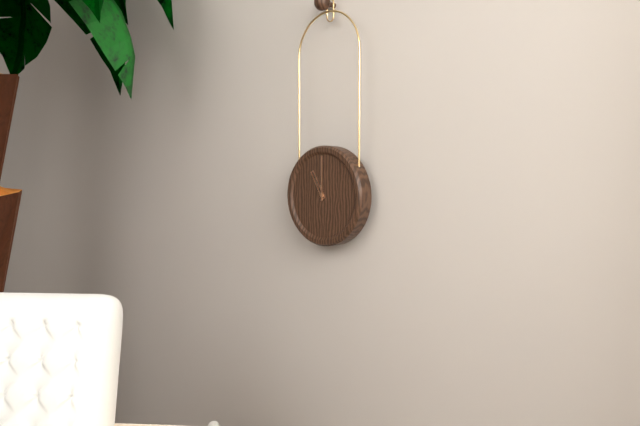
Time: 11h00
